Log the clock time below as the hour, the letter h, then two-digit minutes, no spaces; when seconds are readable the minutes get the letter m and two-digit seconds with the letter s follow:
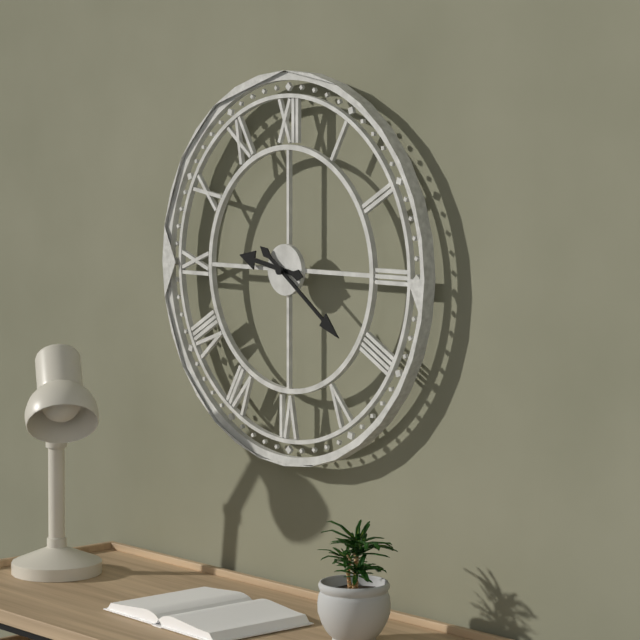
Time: 9h21
